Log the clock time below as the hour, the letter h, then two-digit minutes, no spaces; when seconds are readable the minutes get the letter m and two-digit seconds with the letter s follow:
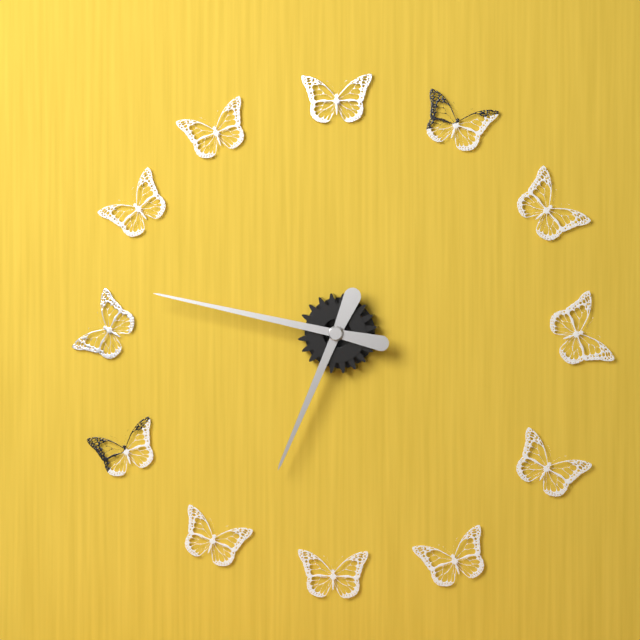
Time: 6h47
